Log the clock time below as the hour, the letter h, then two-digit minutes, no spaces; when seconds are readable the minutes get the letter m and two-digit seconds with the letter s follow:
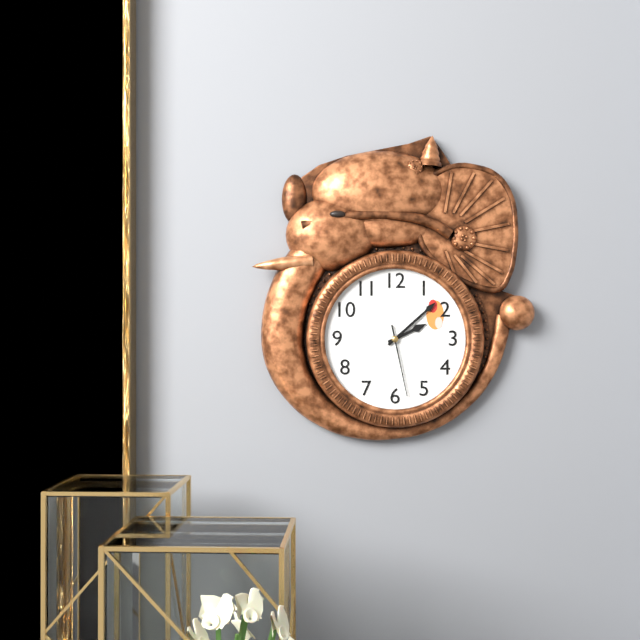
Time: 2h08m28s
